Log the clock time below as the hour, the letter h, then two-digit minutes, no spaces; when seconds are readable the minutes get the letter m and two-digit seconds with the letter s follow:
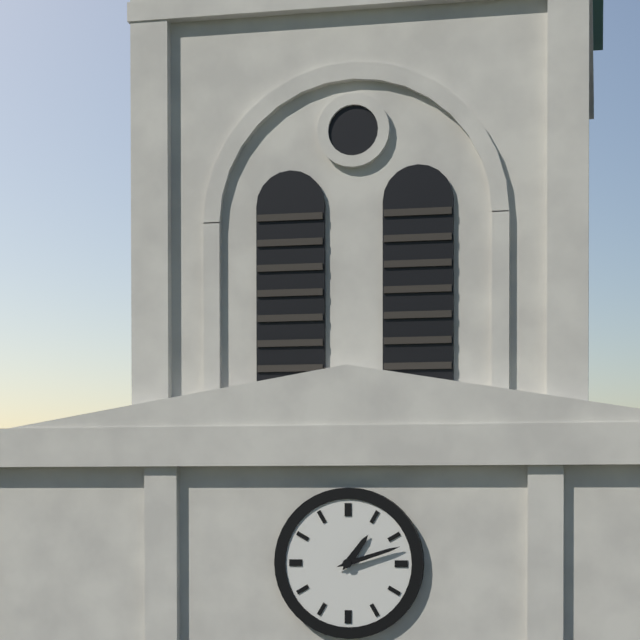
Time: 1h12
